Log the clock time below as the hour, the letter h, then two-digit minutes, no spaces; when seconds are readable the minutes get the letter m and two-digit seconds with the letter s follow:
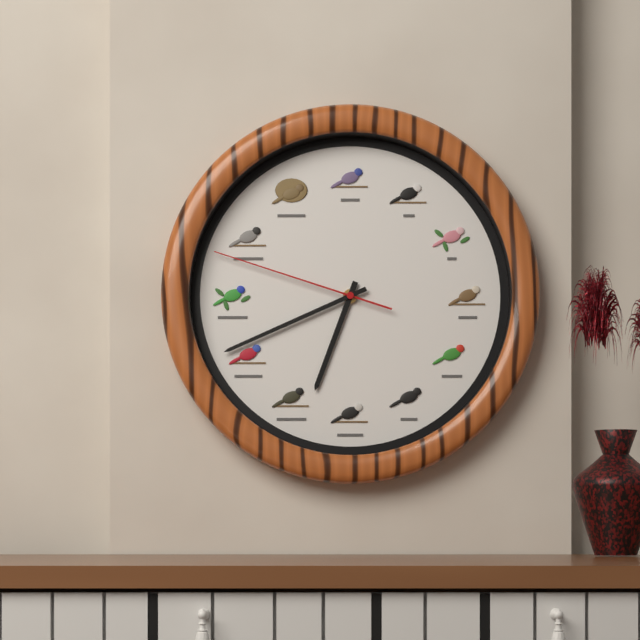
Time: 6h41m48s
